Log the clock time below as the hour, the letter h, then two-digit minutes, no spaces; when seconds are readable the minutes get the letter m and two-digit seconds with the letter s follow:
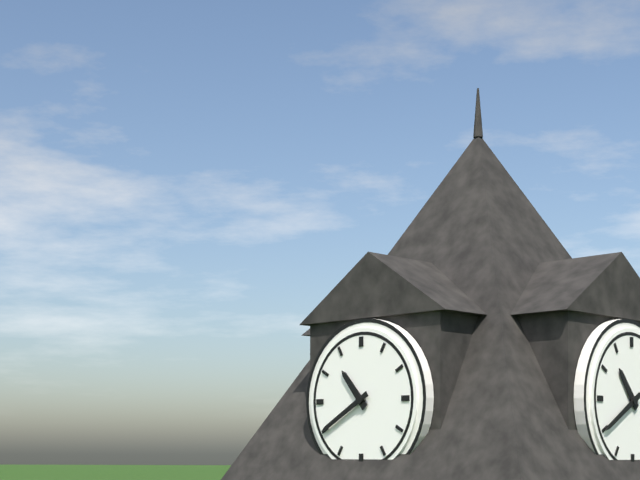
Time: 10h40
